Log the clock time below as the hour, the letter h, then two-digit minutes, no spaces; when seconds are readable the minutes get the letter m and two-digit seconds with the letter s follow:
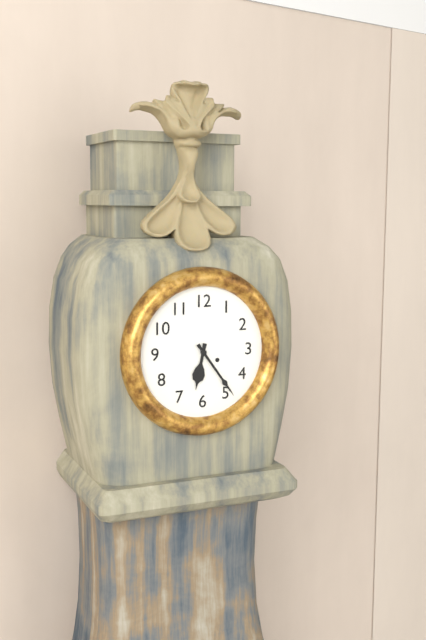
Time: 6h24
